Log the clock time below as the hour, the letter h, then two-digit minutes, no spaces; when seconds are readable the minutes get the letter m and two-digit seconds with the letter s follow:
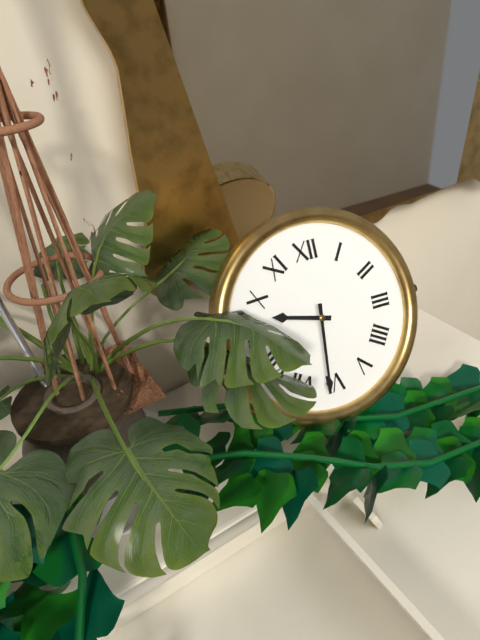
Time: 9h31
